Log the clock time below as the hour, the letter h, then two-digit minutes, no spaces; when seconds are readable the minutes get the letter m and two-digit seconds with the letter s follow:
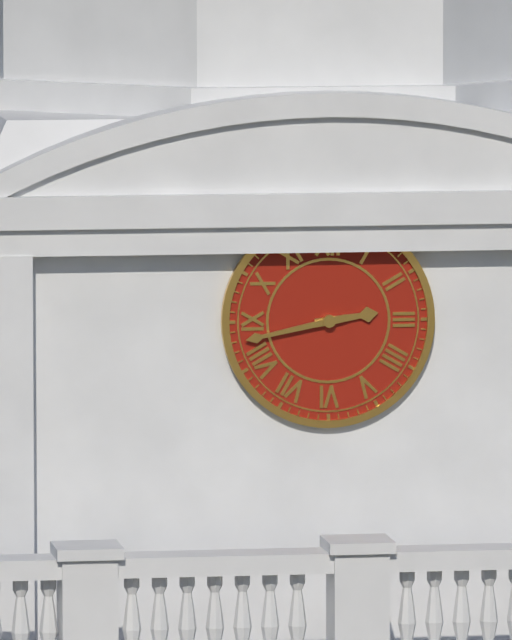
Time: 2h43
